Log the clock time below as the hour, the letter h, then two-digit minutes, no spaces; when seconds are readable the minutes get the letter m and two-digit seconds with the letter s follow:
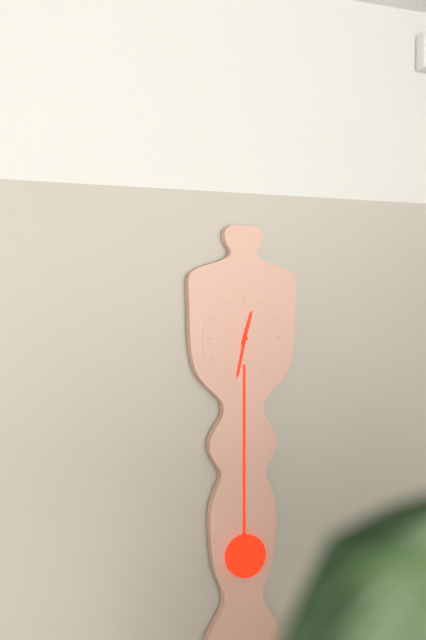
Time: 12h32
